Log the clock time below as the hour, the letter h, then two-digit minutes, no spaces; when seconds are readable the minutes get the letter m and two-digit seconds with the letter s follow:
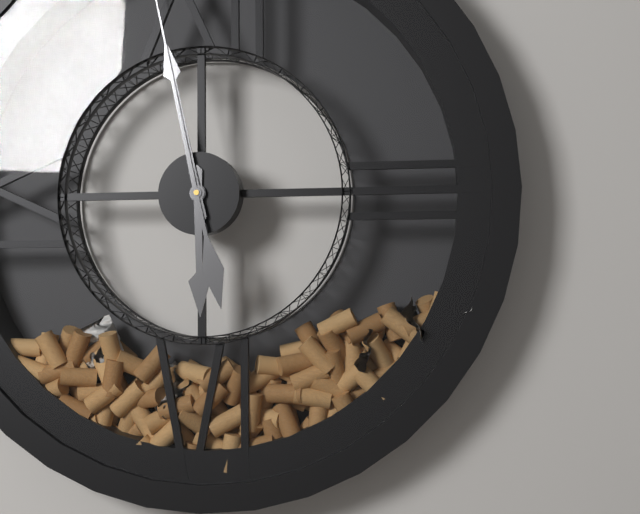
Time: 5h58
